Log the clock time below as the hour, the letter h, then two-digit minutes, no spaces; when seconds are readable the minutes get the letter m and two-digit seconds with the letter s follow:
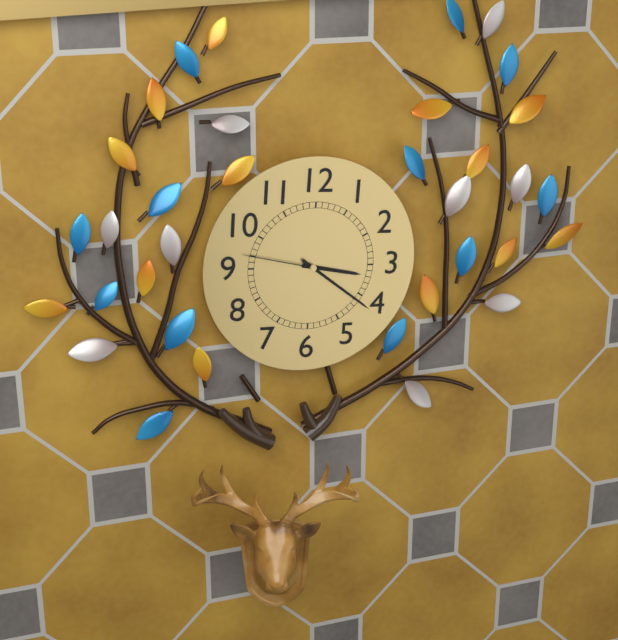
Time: 3h21m47s
